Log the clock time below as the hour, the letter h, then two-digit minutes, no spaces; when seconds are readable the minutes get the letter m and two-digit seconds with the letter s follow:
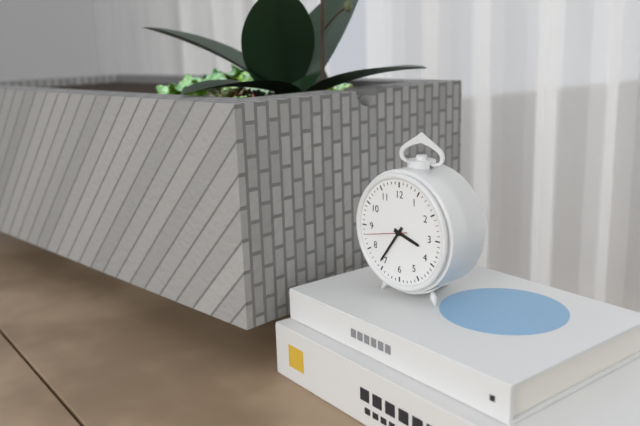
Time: 3h36
